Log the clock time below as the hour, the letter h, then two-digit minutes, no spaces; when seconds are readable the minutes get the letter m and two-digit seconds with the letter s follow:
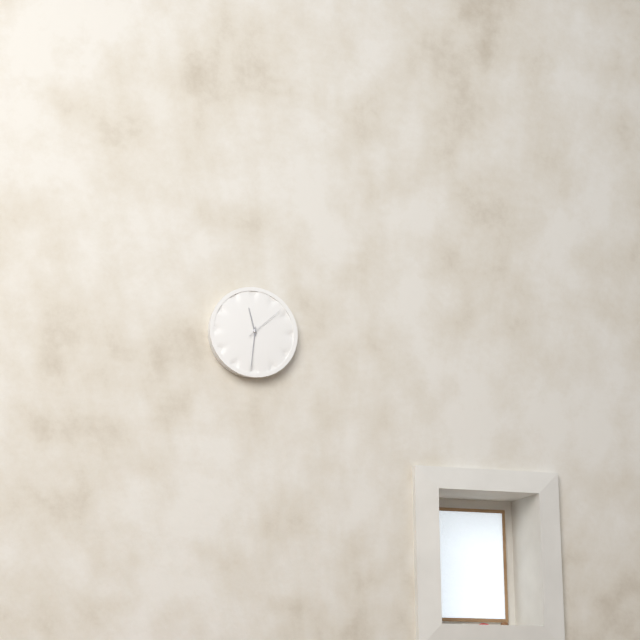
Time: 11h31
